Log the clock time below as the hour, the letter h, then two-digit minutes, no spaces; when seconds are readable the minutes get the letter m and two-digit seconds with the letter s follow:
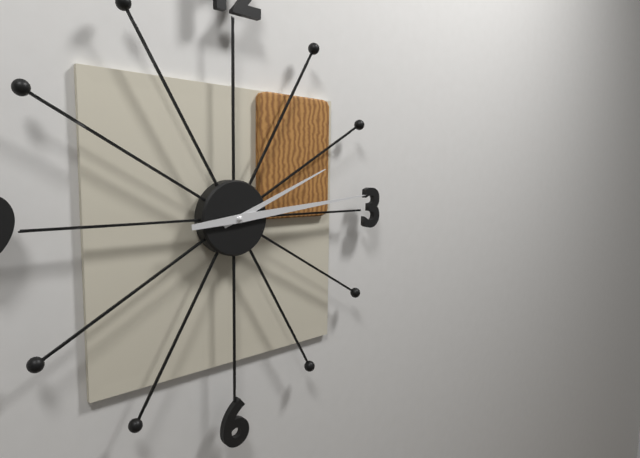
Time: 2h14
